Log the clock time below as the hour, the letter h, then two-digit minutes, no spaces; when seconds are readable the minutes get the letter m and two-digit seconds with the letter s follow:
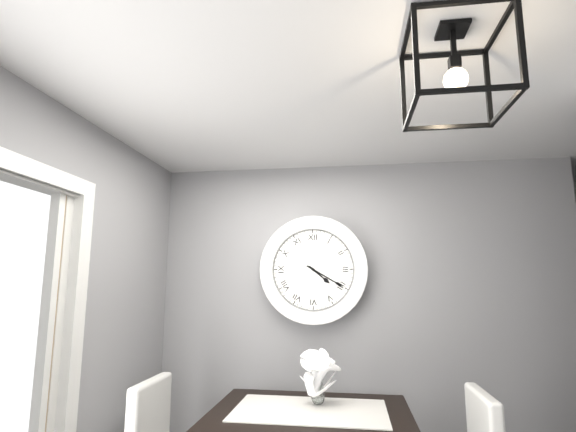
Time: 4h20
